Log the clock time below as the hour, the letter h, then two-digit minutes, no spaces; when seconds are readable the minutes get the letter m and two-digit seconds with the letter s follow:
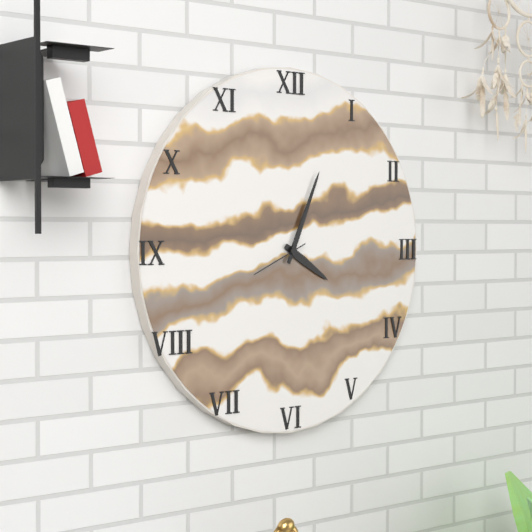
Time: 4h04
